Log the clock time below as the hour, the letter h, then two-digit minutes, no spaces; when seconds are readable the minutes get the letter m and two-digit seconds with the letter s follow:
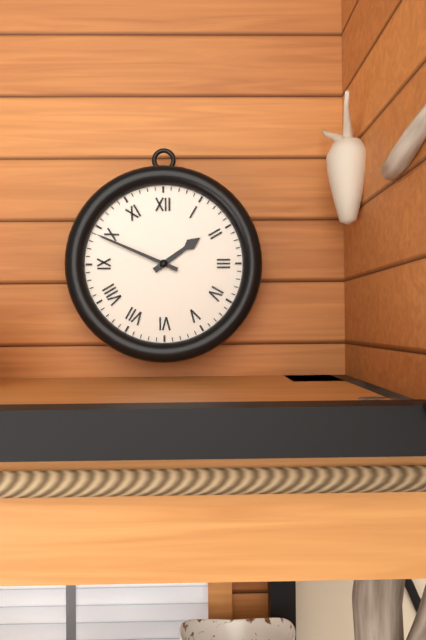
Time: 1h49
